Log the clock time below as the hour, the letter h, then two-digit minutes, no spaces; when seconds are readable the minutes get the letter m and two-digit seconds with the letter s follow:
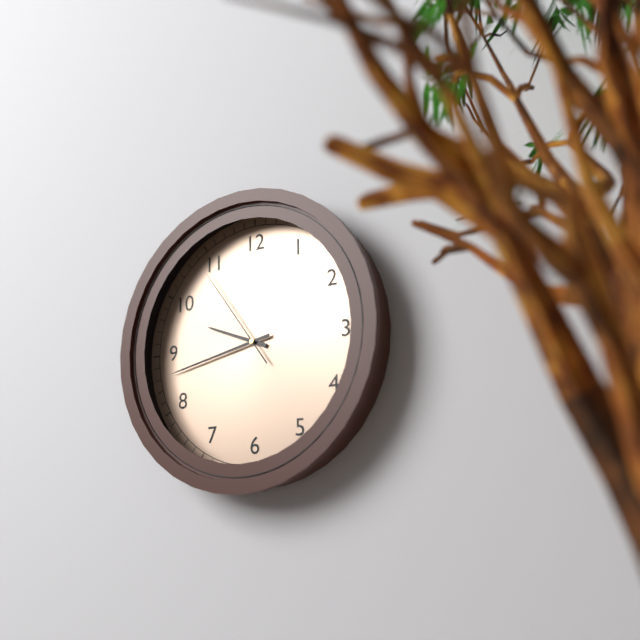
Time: 9h43m54s
